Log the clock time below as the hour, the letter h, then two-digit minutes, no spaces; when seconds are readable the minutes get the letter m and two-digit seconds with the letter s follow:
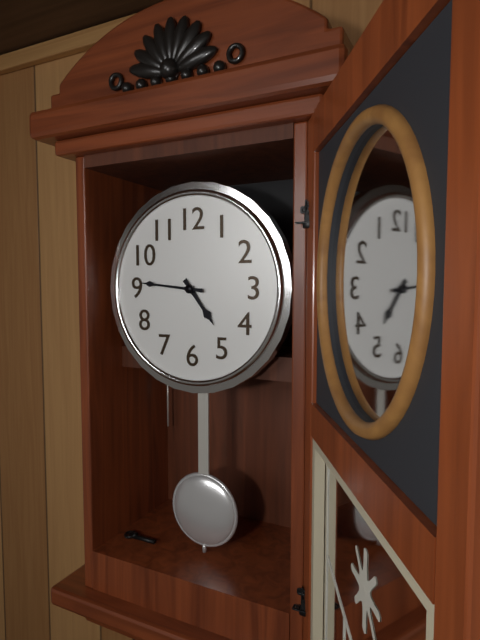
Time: 4h46
